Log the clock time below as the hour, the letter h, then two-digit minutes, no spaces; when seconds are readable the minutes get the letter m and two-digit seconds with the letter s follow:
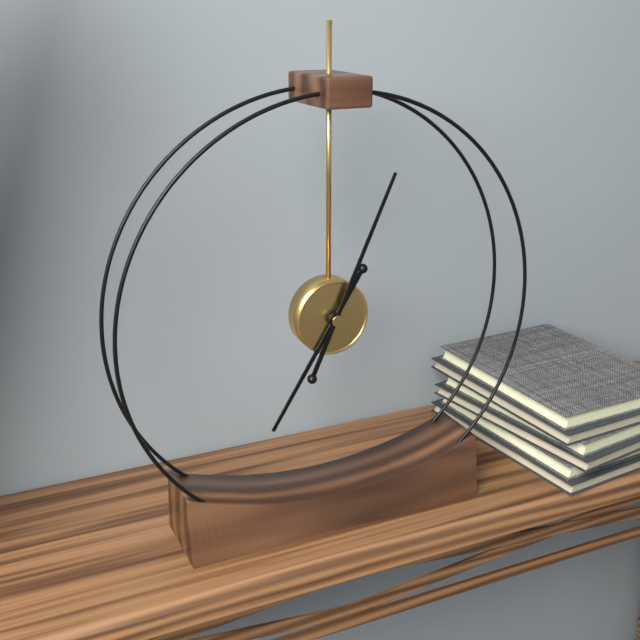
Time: 7h04
